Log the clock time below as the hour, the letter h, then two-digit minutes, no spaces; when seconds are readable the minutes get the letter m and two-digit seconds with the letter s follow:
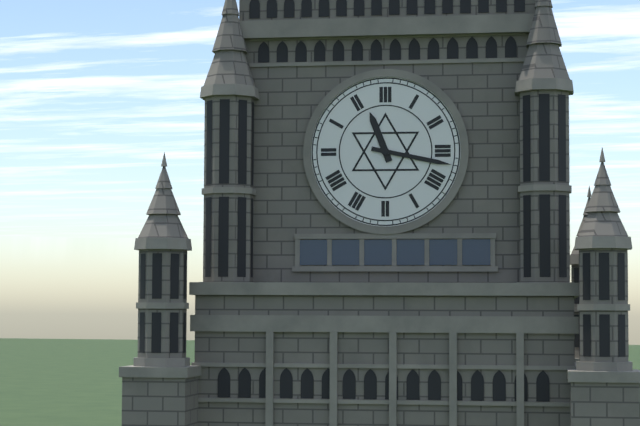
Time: 11h17
